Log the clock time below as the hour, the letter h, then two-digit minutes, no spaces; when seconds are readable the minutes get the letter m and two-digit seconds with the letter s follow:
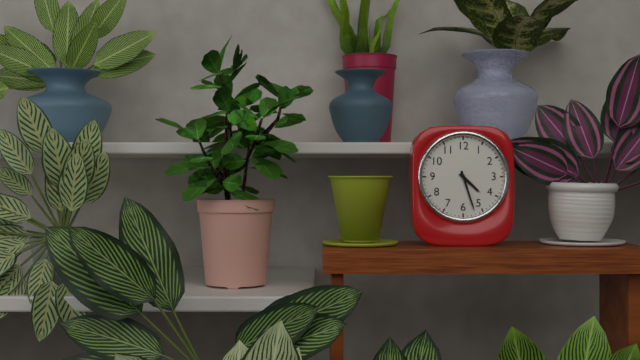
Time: 4h27
